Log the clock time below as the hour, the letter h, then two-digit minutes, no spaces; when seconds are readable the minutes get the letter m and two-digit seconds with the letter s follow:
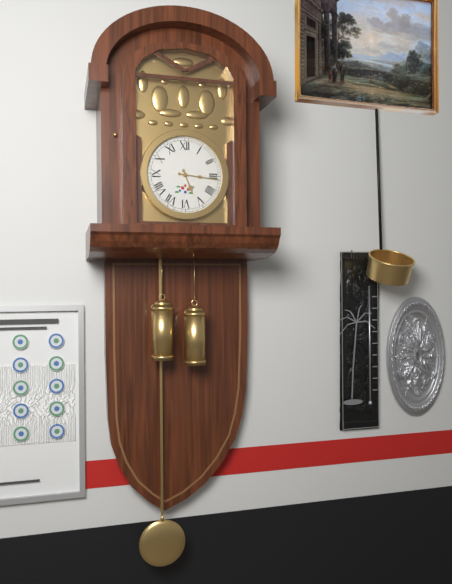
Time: 5h16
